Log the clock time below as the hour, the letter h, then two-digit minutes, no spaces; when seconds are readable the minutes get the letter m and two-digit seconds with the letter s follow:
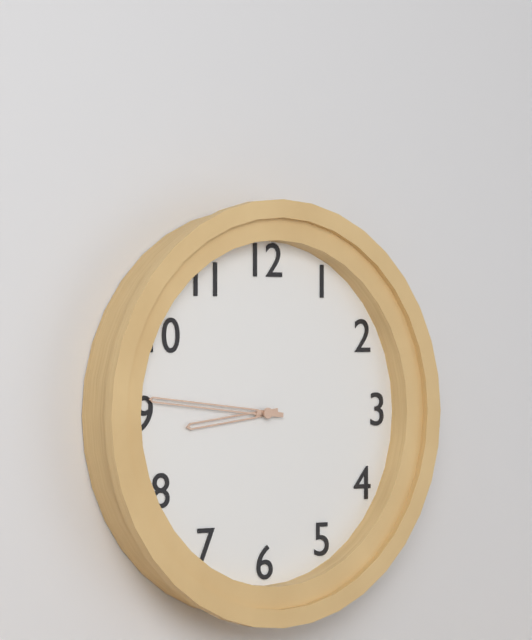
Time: 8h46
